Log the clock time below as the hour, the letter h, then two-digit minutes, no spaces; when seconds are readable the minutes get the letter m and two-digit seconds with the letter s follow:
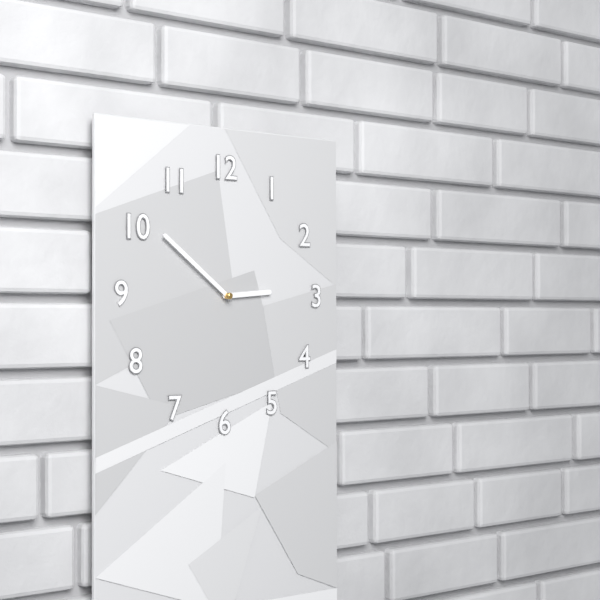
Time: 2h51
